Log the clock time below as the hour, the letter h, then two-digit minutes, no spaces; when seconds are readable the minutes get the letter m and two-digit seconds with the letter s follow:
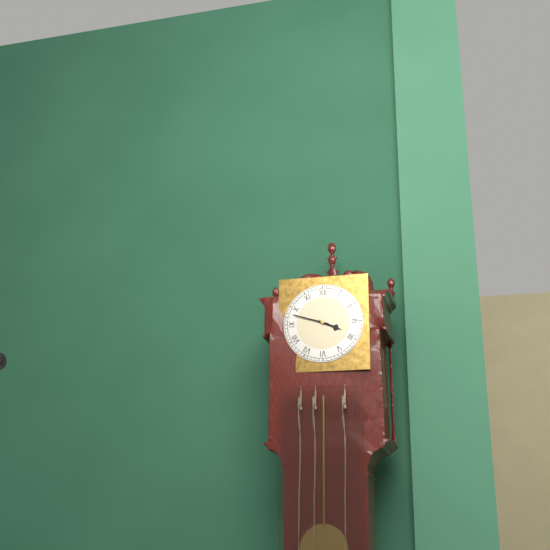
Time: 3h48
